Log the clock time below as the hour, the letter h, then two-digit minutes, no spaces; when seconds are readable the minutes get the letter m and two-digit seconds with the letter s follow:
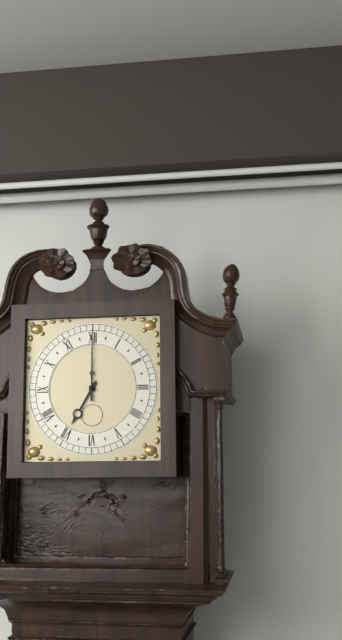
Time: 7h00
